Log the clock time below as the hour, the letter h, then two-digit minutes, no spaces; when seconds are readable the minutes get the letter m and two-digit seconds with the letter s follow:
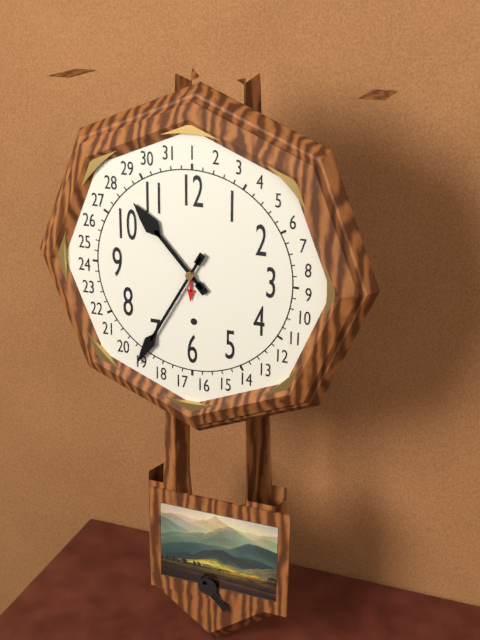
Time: 10h35
